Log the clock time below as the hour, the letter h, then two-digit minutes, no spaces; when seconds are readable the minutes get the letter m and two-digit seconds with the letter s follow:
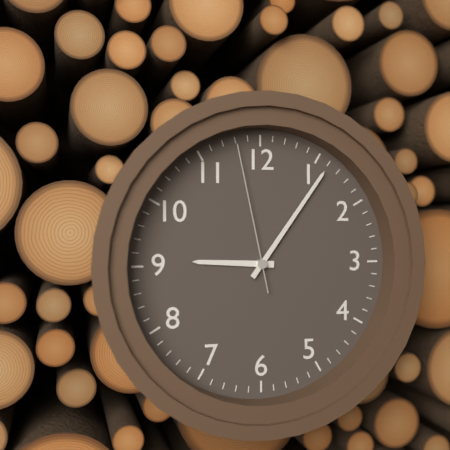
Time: 9h06m58s
